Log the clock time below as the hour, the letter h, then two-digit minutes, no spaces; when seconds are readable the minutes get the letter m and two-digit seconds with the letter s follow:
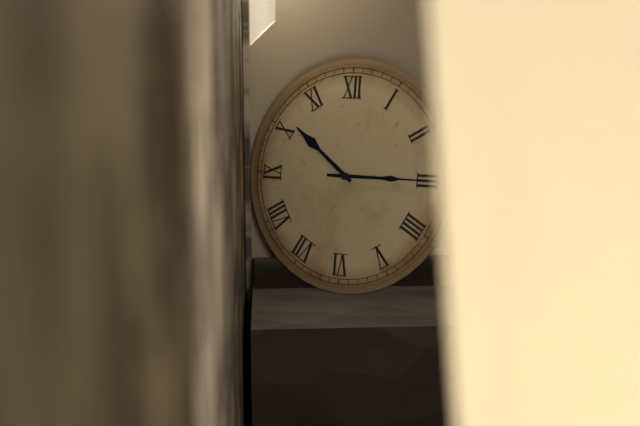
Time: 10h15
